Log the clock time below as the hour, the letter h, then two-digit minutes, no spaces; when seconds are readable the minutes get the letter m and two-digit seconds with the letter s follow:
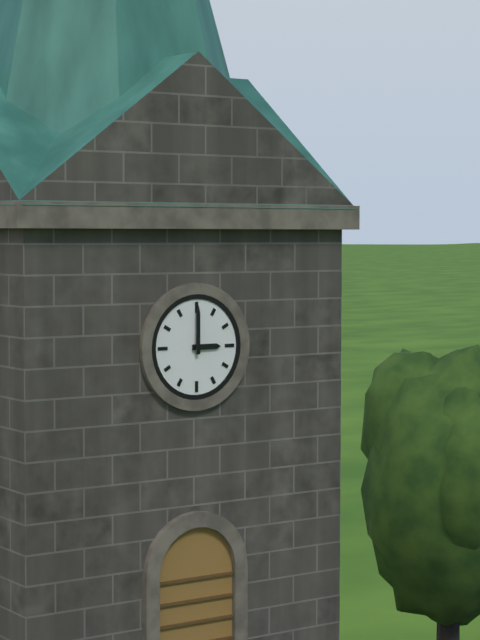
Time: 3h00
